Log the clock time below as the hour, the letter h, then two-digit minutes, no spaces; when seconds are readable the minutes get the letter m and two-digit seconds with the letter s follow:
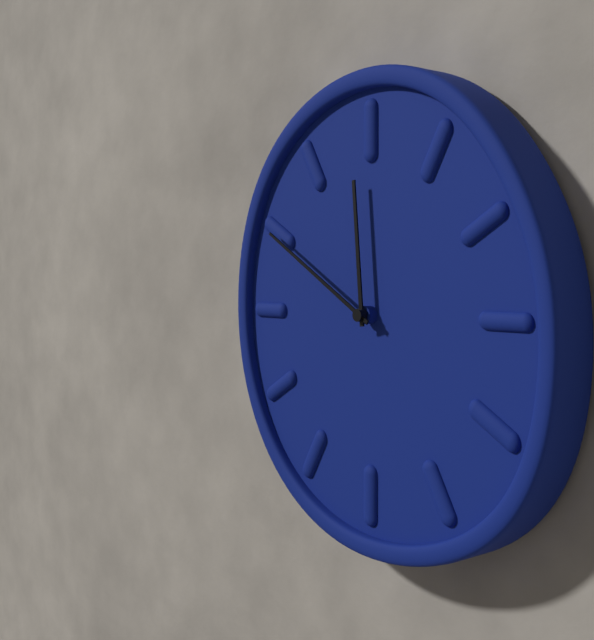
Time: 11h50
